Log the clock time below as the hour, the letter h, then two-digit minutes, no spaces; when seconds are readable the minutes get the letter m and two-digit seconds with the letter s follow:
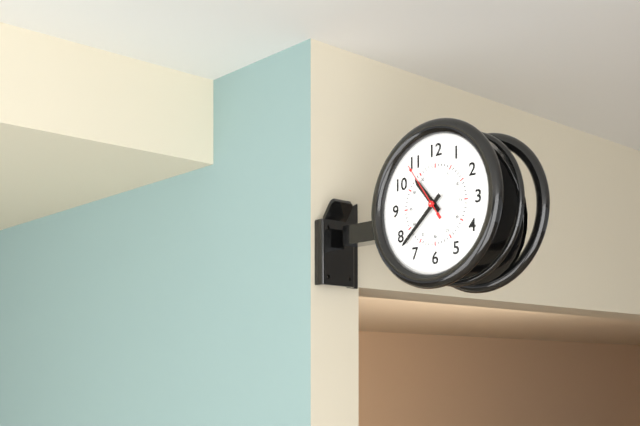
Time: 10h38m54s
